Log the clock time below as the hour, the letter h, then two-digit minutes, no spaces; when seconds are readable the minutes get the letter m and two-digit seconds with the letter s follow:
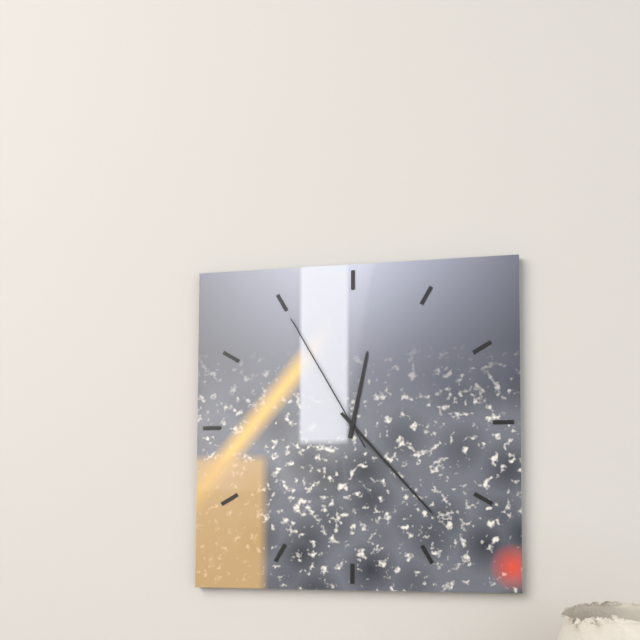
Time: 12h23m55s
